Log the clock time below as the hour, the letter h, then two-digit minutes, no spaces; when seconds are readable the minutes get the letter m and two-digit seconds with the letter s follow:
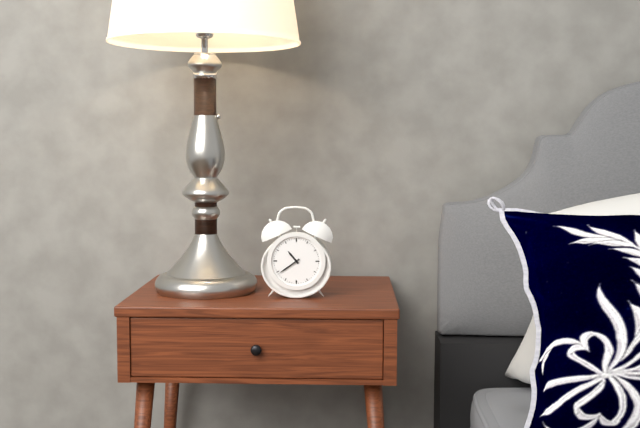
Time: 10h39
